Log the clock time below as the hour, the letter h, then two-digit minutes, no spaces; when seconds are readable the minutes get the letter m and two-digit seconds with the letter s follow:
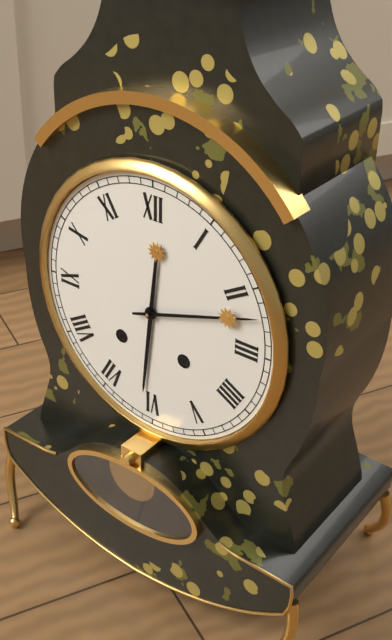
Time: 6h12
